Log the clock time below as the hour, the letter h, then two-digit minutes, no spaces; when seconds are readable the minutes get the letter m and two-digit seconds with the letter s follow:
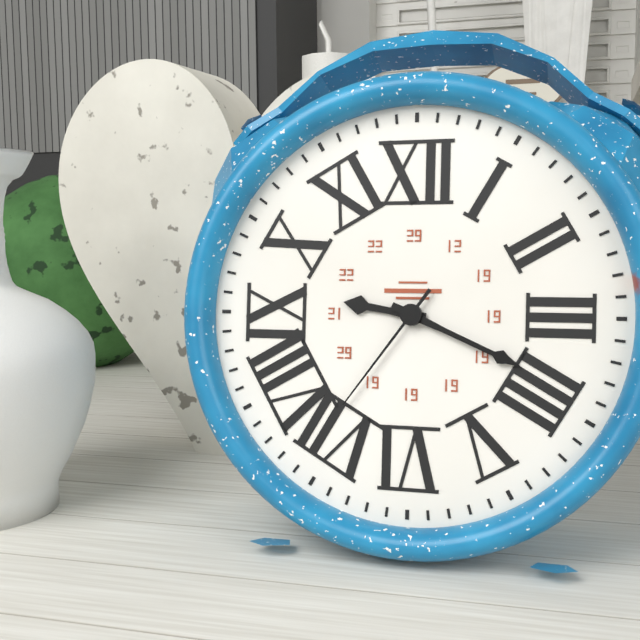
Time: 9h19m36s
